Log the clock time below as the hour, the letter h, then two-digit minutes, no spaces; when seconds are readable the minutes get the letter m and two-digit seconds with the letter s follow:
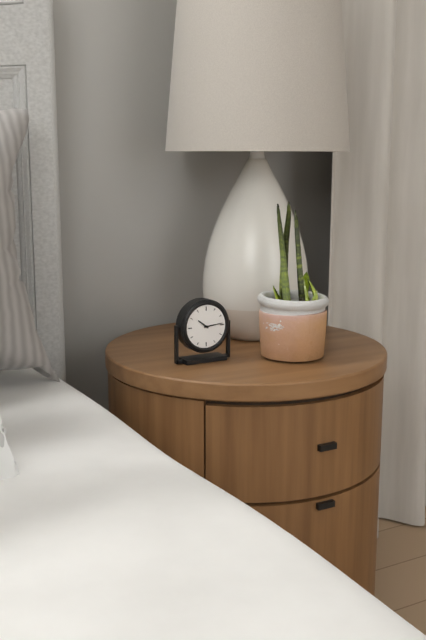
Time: 10h14
